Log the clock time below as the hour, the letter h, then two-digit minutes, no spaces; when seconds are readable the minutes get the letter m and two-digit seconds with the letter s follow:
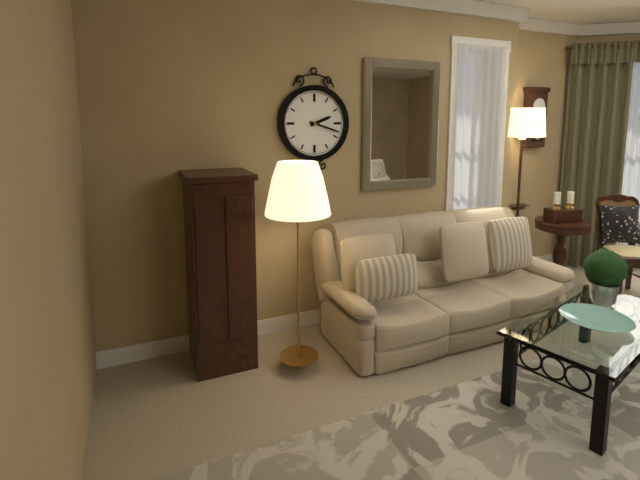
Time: 2h18
